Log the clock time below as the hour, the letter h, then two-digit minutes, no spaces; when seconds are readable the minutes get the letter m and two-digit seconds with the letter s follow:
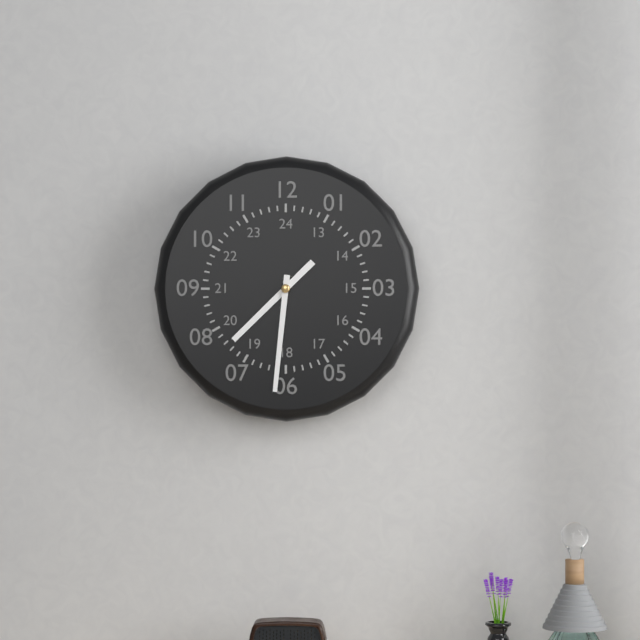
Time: 7h31
